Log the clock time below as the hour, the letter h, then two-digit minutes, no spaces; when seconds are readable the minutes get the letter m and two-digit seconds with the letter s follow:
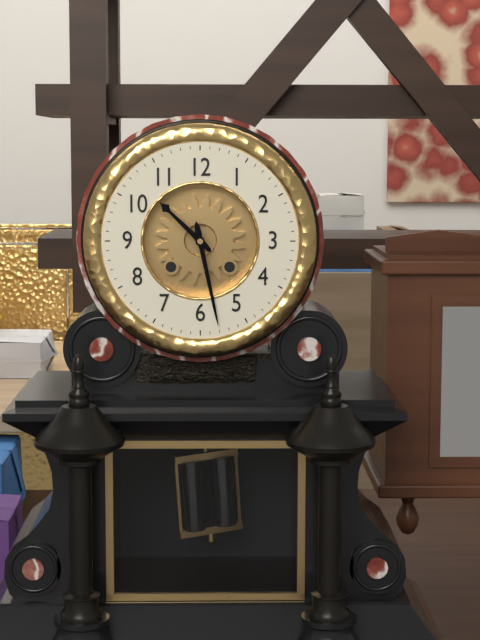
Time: 10h28
